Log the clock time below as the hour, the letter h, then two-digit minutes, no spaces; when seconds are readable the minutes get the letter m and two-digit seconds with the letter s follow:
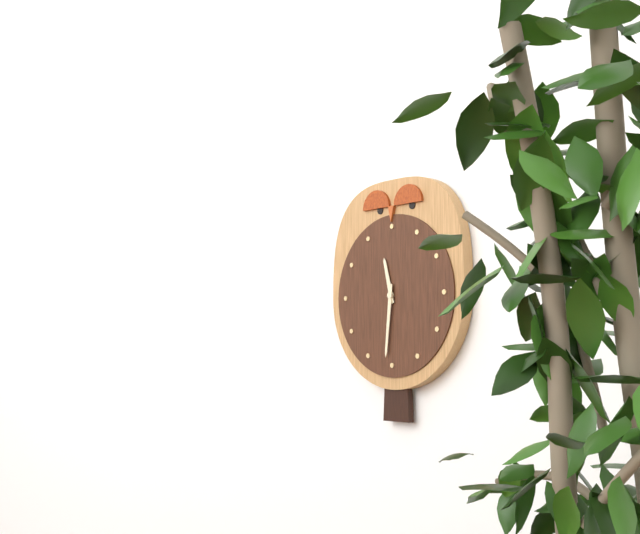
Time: 11h31
